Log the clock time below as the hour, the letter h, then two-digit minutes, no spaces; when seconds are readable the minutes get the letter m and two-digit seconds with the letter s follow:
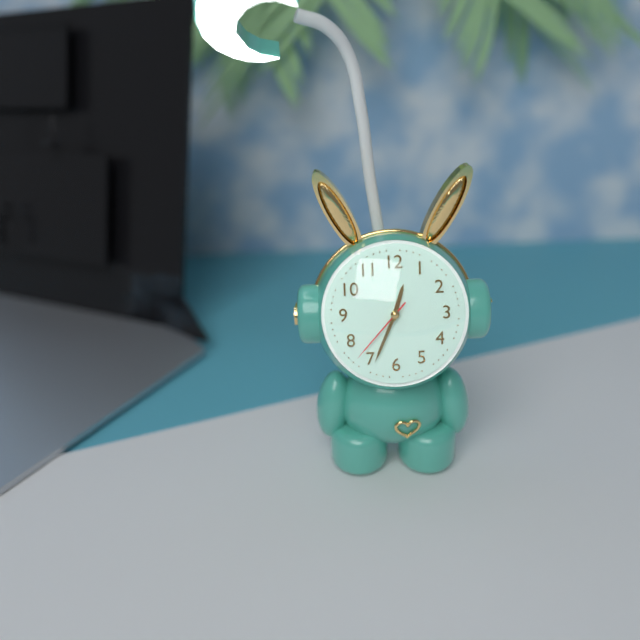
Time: 12h34m37s
